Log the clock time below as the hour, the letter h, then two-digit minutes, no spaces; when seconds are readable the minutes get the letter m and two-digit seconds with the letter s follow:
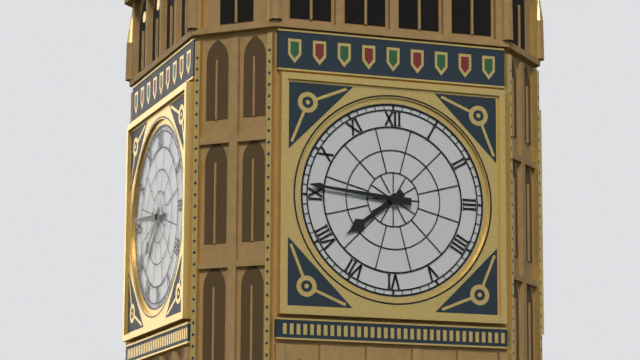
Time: 7h46
